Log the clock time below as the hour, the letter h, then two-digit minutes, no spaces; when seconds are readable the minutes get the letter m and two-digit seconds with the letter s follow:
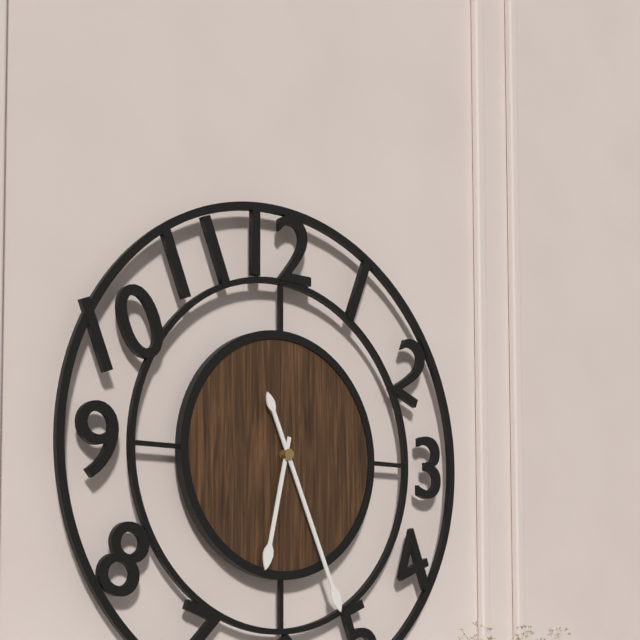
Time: 6h26
